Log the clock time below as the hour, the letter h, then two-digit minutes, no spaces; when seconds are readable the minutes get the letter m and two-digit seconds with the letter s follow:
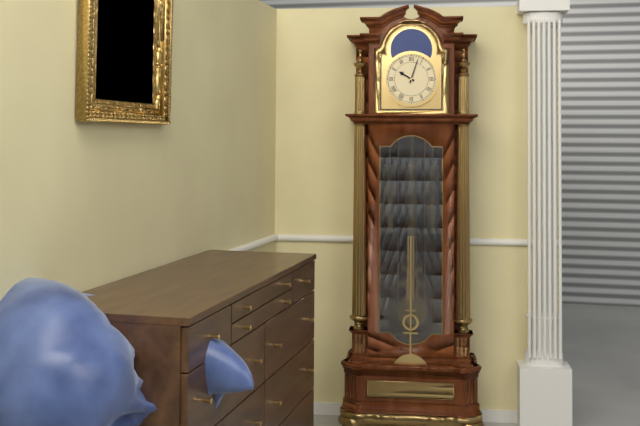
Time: 10h03
